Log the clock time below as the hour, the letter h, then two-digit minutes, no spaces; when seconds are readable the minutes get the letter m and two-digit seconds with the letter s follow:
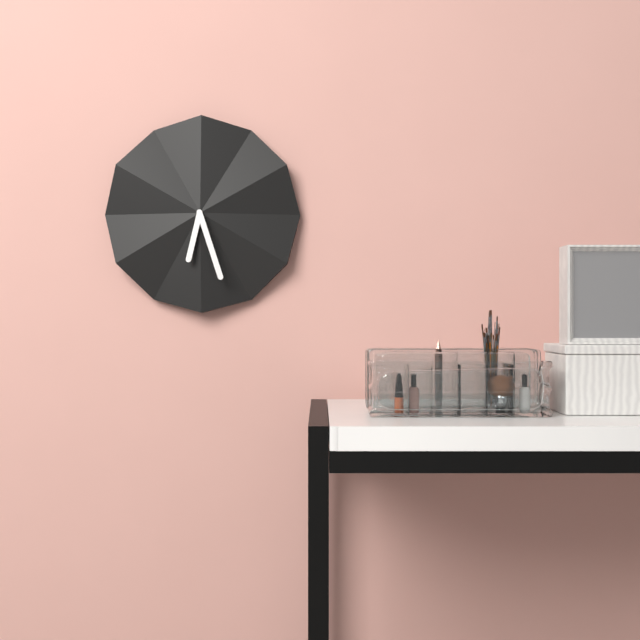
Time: 6h27
